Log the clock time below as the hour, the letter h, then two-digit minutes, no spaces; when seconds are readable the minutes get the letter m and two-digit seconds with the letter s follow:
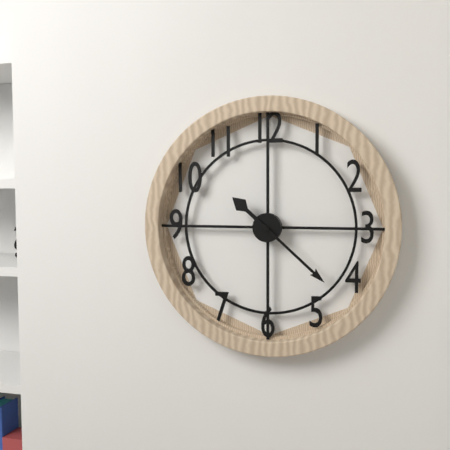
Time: 10h22
